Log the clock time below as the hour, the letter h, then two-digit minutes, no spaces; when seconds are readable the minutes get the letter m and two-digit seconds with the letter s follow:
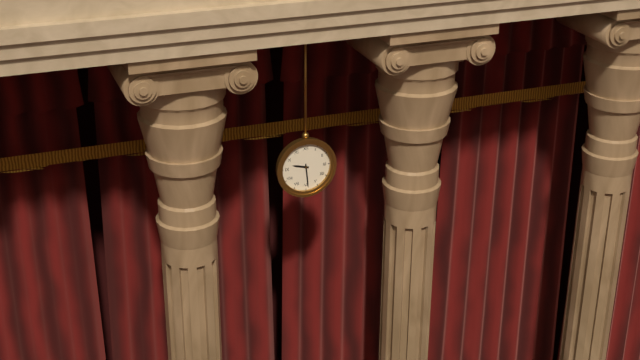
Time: 9h29
